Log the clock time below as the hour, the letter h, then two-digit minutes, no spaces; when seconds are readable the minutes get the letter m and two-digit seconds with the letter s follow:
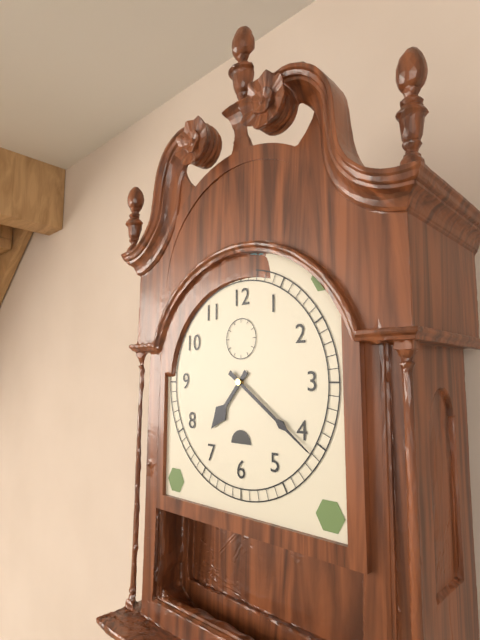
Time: 7h21
